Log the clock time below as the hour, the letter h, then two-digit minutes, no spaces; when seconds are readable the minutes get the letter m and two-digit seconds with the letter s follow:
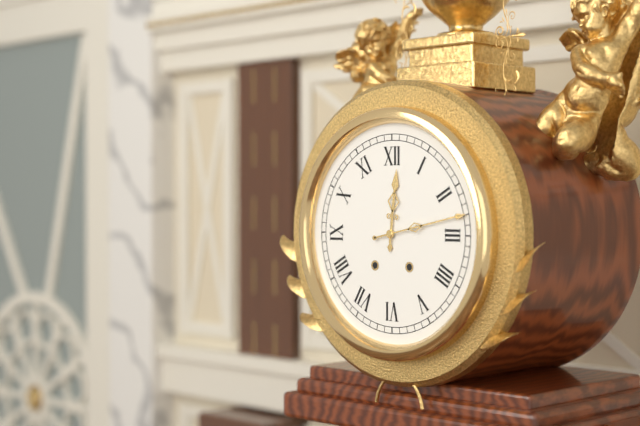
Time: 12h13
